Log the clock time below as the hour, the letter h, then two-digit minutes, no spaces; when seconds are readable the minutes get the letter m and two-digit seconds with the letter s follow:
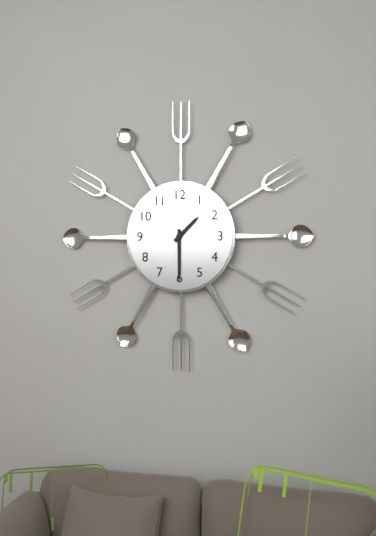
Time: 1h30
